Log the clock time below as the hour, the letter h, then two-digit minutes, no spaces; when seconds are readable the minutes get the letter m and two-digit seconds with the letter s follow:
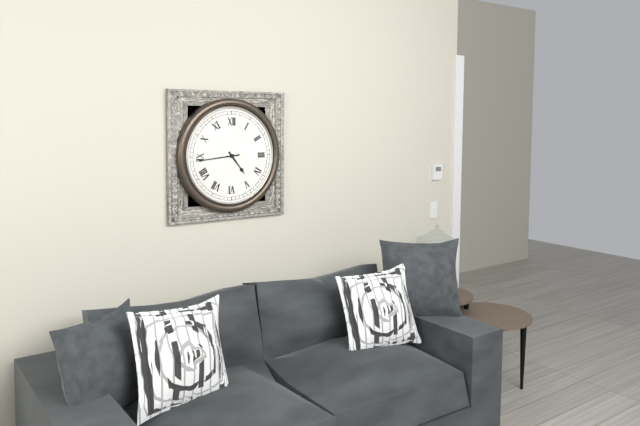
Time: 4h44
